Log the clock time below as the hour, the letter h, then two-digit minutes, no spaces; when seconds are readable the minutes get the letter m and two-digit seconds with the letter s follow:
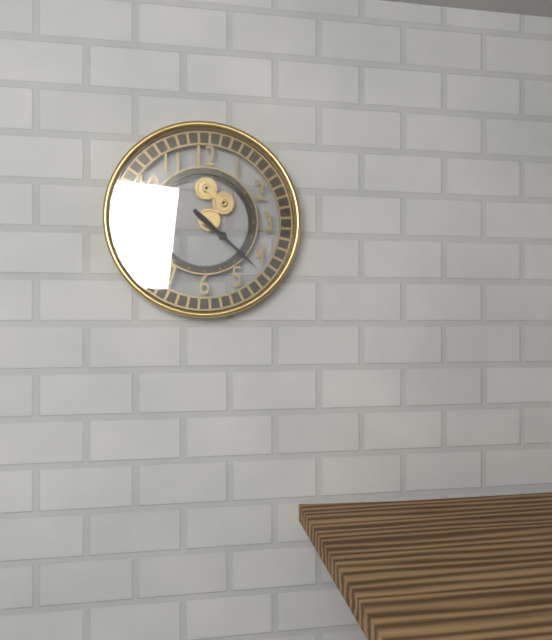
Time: 4h22
